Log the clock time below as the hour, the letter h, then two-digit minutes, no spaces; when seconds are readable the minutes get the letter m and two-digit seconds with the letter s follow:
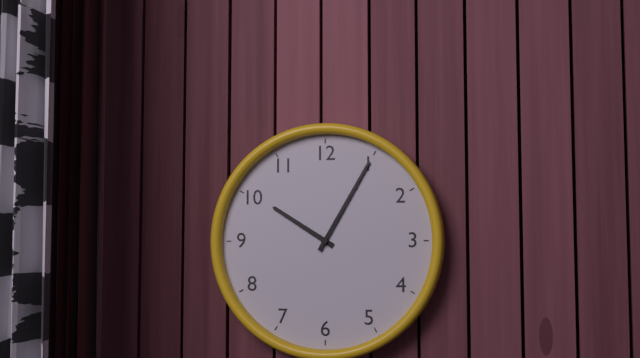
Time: 10h05
